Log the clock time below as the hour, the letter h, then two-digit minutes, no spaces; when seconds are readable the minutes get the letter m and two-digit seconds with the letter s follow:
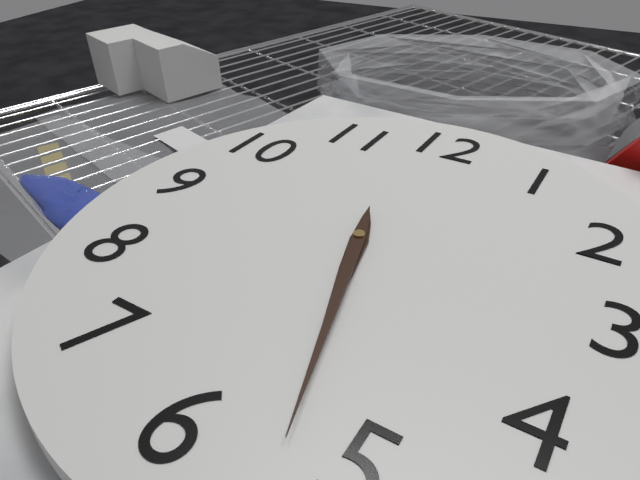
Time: 5h27
